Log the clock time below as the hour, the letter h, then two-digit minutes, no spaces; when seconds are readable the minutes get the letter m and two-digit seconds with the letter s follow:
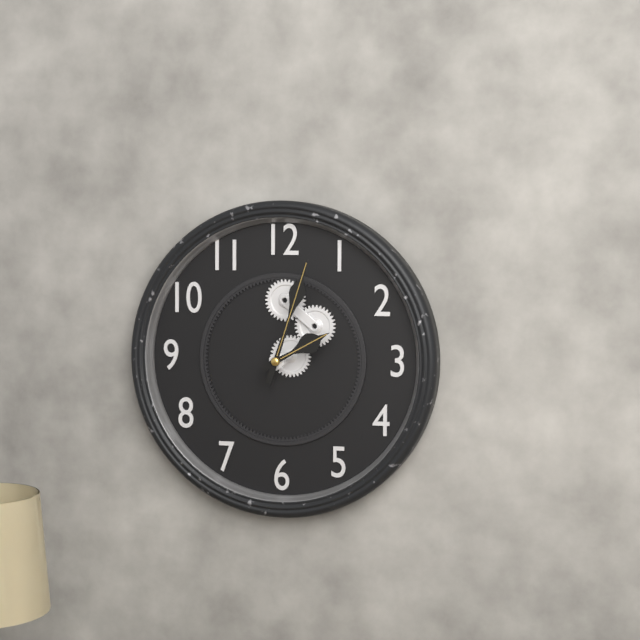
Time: 2h03
